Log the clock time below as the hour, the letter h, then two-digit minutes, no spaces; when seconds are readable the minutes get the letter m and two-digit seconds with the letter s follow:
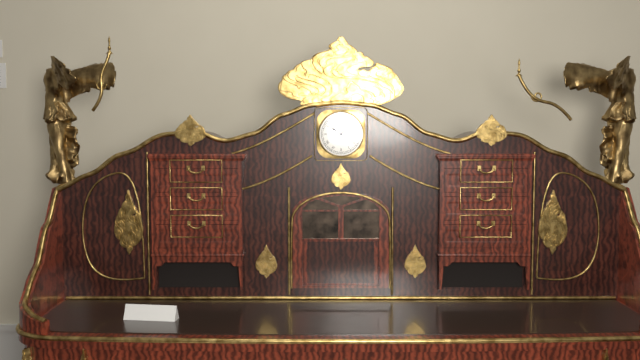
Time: 10h07
